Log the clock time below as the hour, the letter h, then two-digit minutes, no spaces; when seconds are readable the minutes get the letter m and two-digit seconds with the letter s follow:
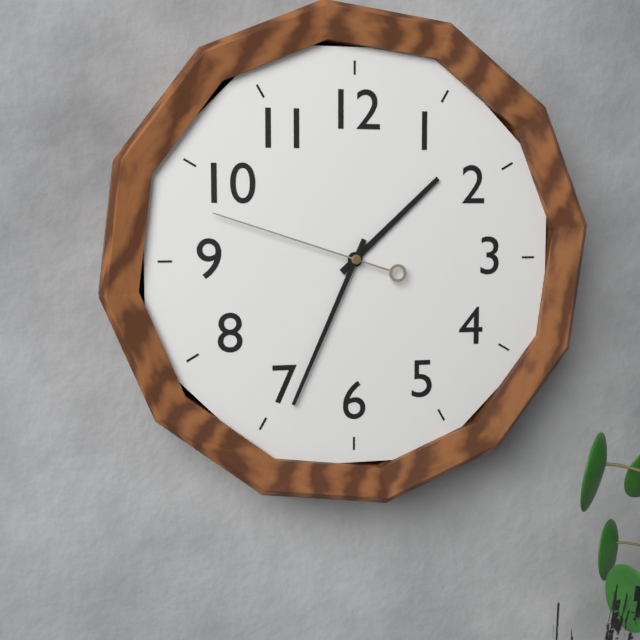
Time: 1h34m48s
